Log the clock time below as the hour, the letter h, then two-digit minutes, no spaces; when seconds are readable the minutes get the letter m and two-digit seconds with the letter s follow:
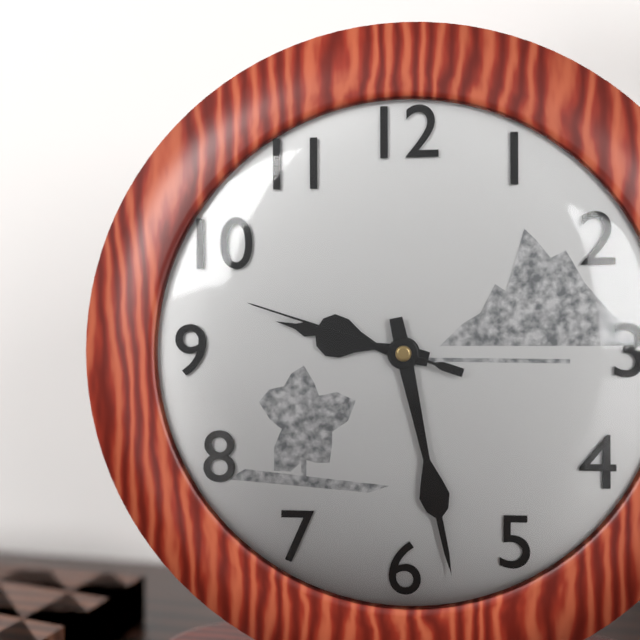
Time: 9h28m48s
